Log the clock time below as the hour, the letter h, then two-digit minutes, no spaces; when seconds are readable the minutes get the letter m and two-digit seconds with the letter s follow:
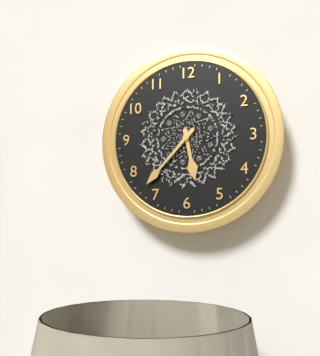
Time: 5h37
